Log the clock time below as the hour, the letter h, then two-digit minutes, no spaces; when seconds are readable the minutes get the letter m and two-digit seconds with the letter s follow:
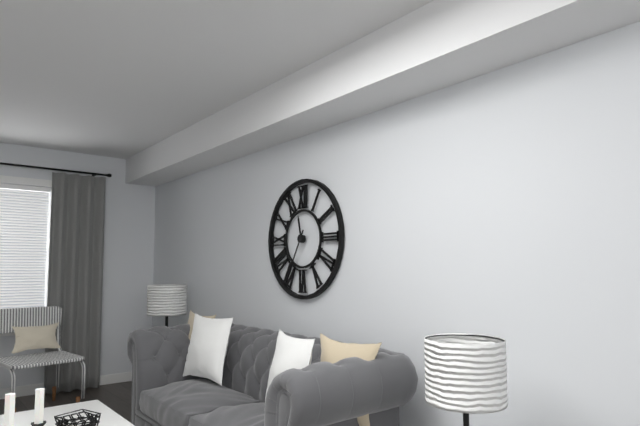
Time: 11h35
